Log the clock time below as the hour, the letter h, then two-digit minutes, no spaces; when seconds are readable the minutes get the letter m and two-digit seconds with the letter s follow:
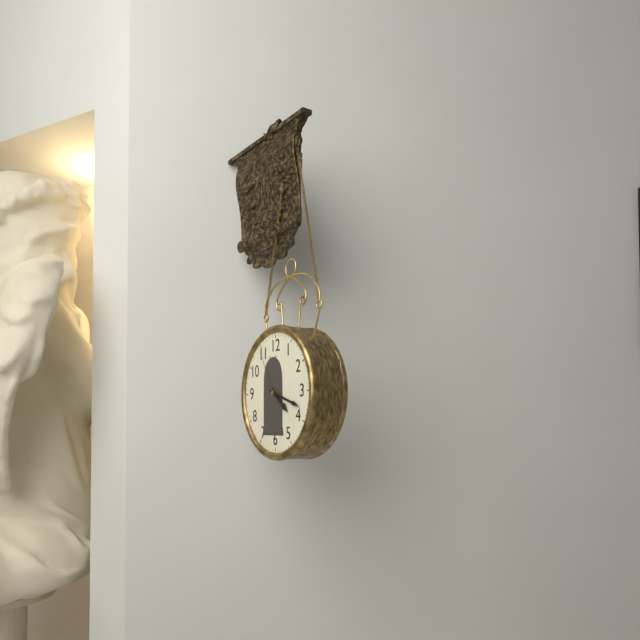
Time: 4h18m55s
